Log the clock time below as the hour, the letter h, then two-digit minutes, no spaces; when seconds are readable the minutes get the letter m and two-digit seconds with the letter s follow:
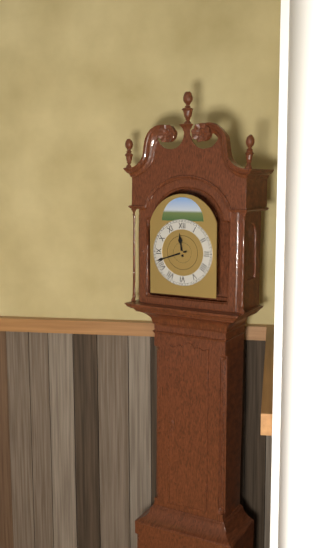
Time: 11h42
